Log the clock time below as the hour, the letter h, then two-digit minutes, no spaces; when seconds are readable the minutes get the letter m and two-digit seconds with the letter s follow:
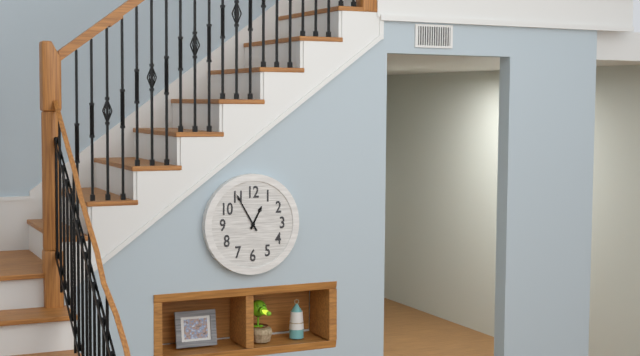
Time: 12h55
